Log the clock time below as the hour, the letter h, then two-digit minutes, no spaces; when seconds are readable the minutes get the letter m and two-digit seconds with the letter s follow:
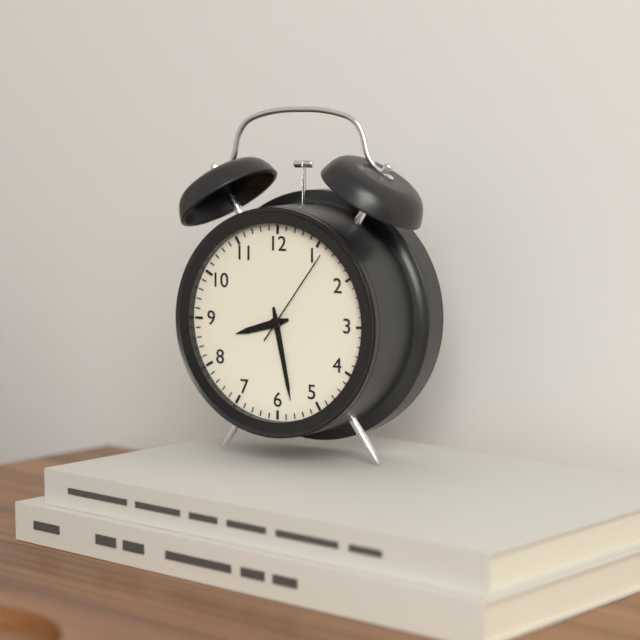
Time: 8h28m06s
